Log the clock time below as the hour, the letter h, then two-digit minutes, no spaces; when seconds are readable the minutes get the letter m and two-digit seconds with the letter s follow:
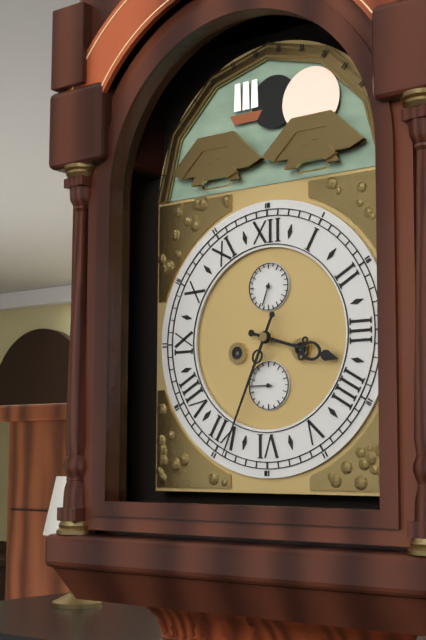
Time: 3h34
